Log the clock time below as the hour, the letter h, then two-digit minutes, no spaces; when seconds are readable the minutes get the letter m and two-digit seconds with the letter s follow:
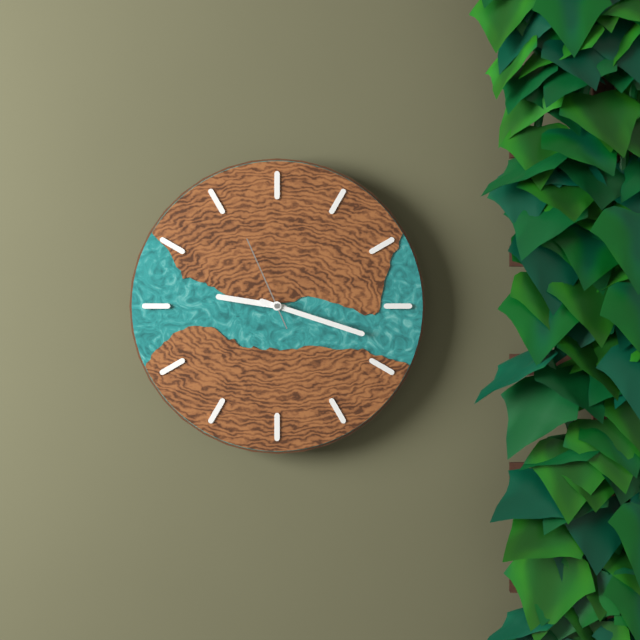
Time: 9h18m56s
